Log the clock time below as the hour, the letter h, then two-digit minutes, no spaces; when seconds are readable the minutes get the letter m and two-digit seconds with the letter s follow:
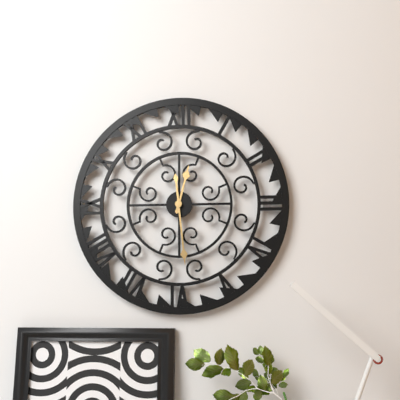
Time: 12h29
